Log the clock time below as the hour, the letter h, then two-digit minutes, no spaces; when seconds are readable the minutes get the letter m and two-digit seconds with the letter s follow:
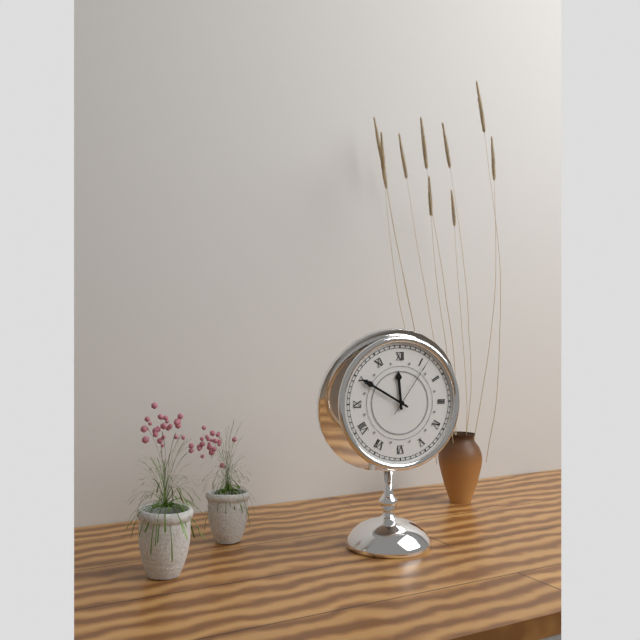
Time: 11h50m06s
